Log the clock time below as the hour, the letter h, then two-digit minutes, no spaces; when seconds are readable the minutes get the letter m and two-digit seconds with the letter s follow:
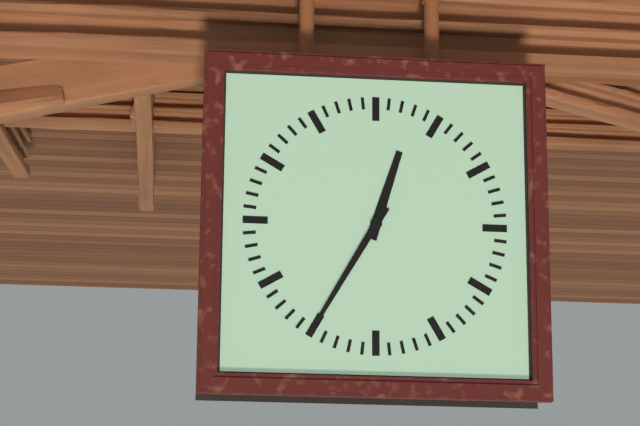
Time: 12h35
